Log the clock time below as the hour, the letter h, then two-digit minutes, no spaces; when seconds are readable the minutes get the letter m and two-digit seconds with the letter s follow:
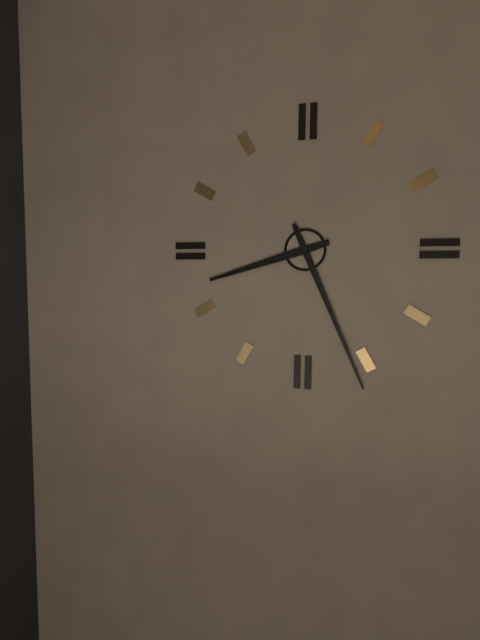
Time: 8h26
